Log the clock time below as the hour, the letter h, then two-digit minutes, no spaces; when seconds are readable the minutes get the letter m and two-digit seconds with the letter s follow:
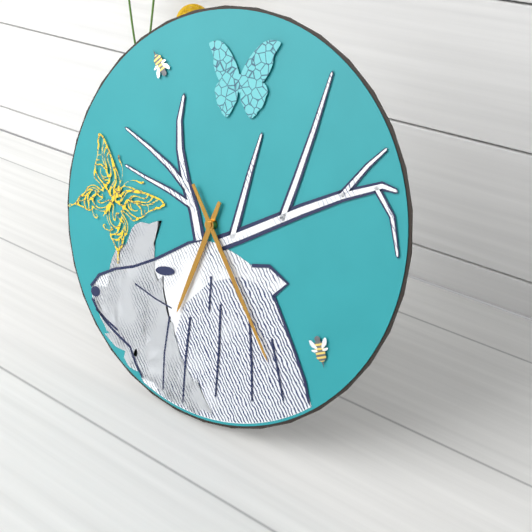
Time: 6h23
